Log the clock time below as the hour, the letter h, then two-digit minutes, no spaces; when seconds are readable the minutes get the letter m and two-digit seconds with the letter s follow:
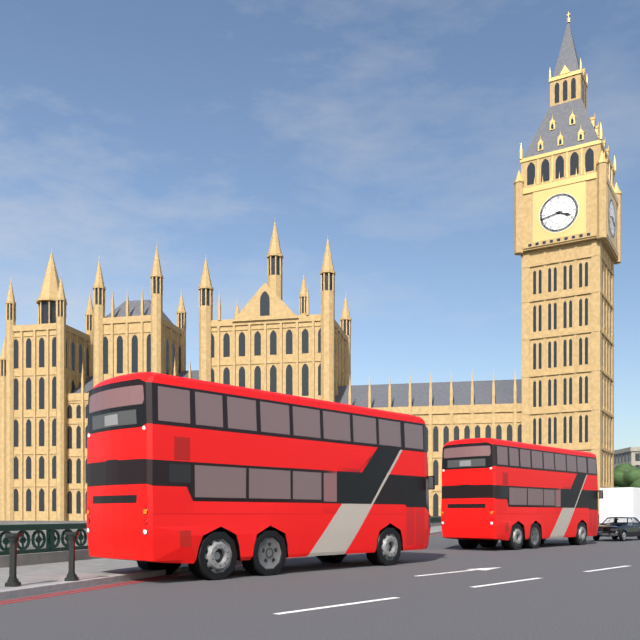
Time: 3h43
